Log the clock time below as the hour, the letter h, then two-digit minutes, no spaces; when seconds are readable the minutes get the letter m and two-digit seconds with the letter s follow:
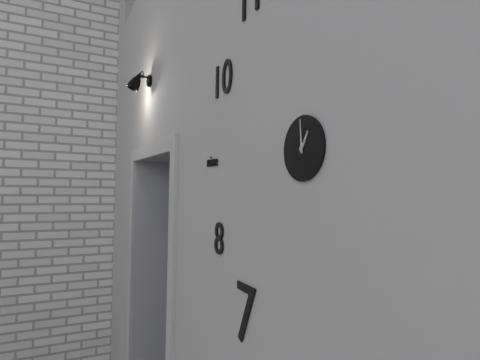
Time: 12h59
